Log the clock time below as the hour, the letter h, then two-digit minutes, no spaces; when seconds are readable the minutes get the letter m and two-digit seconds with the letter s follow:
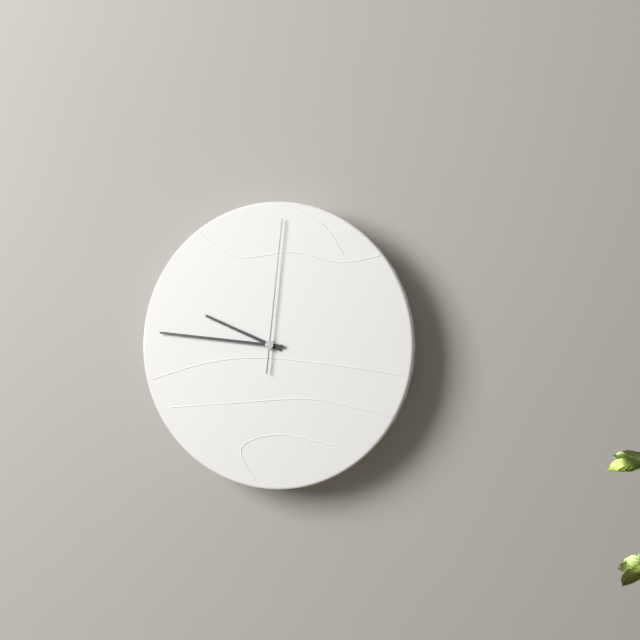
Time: 9h46m01s
